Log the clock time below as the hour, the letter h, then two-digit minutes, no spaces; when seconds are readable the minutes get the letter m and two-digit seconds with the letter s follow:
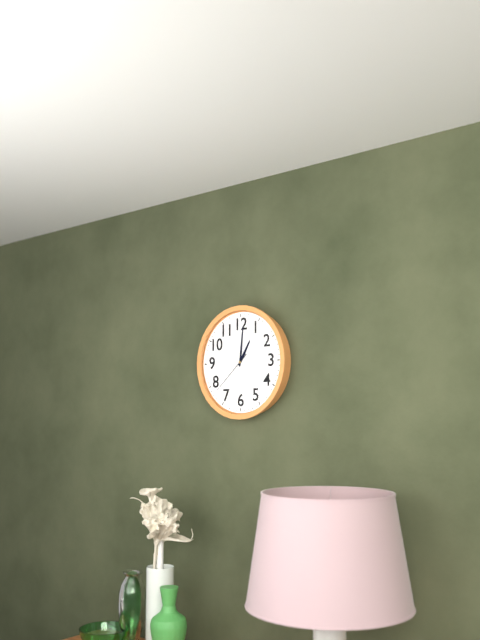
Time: 1h01
